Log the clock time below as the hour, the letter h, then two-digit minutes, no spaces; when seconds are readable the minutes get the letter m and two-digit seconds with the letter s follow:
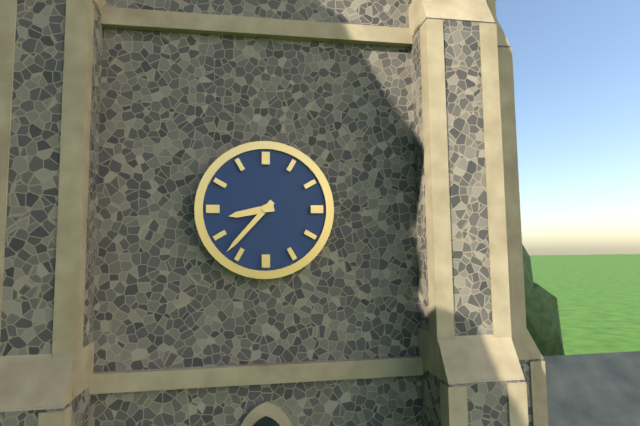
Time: 8h37
